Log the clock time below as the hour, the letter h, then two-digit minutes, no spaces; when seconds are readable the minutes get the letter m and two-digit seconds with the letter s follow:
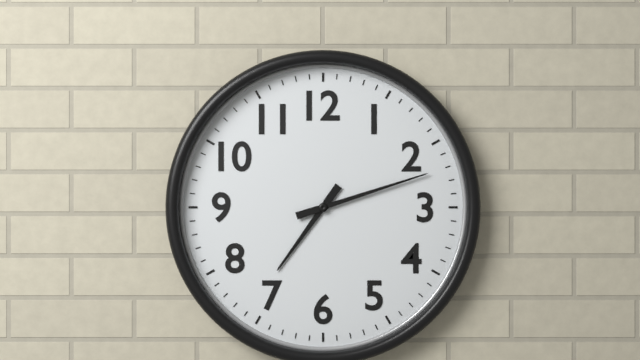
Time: 7h12
